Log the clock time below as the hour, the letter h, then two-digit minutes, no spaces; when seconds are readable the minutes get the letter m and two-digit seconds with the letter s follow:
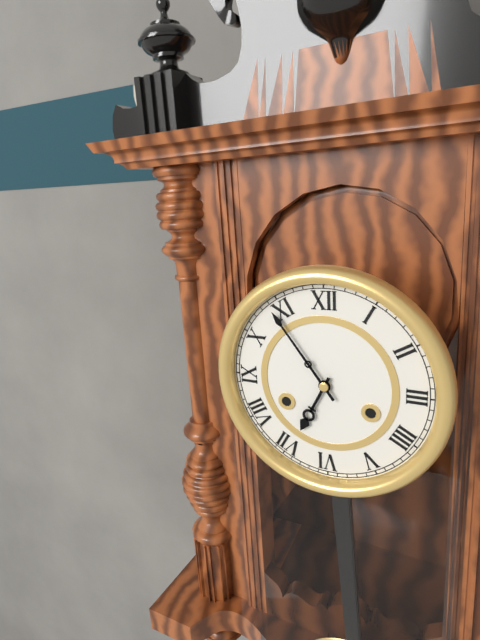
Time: 6h54
